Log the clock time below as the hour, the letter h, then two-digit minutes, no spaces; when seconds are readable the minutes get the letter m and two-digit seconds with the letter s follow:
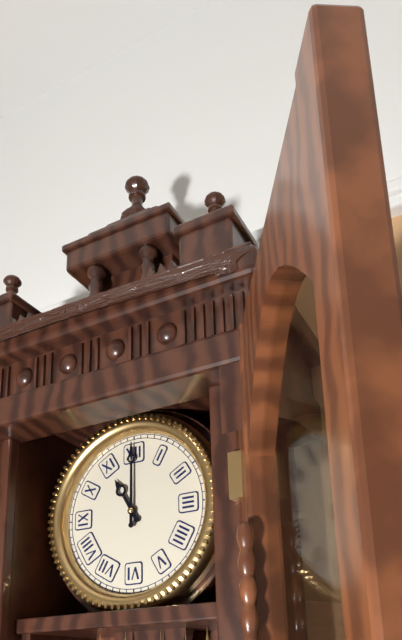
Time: 11h00
